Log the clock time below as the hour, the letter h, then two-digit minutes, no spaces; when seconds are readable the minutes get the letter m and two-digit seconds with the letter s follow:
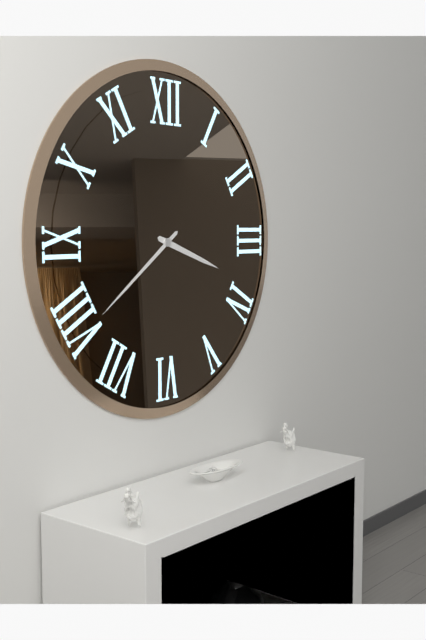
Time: 3h39
